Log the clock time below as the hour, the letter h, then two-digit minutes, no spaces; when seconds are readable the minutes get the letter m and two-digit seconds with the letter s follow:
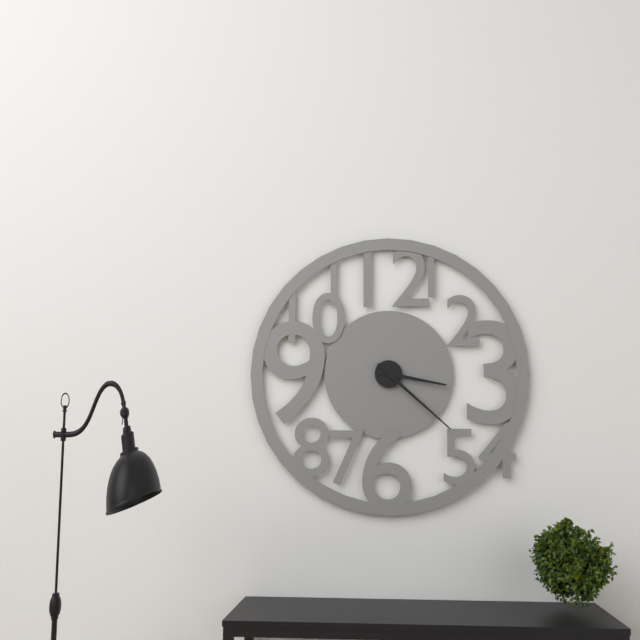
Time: 3h22
